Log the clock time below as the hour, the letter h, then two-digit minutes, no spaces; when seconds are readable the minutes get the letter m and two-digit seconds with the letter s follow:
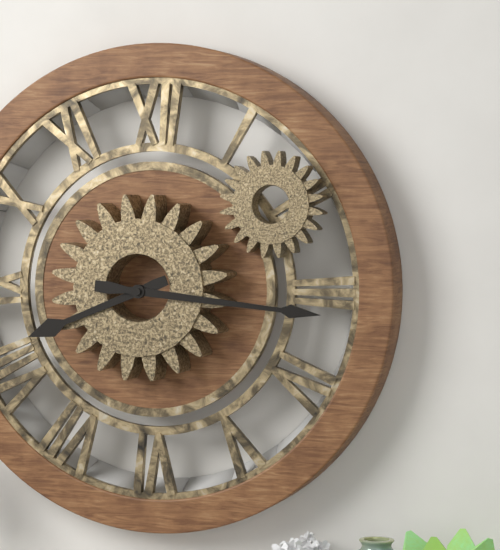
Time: 8h16
